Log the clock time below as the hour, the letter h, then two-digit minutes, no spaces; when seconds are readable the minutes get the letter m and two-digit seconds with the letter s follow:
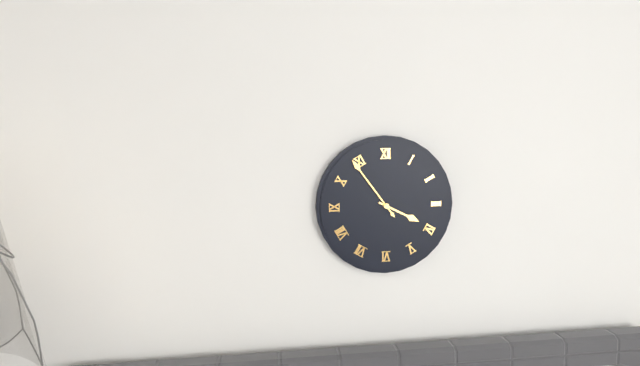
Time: 3h54
